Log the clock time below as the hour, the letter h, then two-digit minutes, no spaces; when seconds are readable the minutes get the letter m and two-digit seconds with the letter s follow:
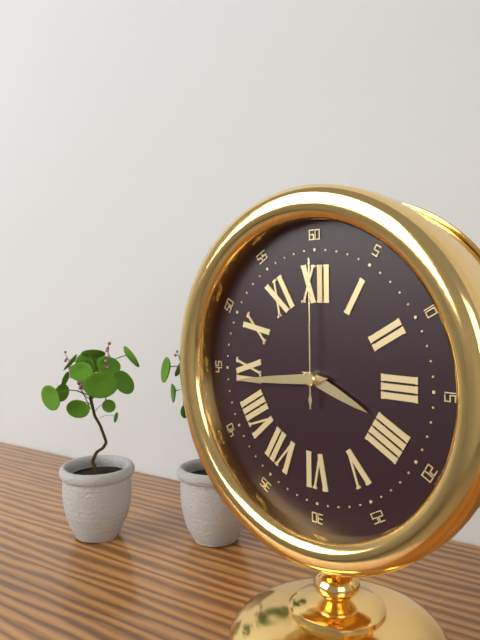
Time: 3h44m00s
